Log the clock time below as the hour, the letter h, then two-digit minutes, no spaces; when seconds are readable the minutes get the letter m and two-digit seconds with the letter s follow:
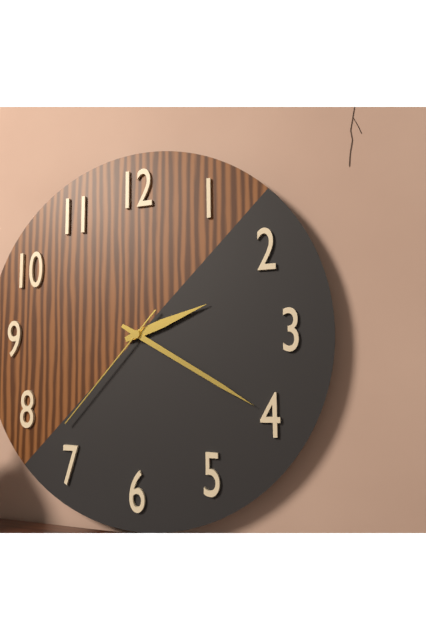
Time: 2h20m37s
